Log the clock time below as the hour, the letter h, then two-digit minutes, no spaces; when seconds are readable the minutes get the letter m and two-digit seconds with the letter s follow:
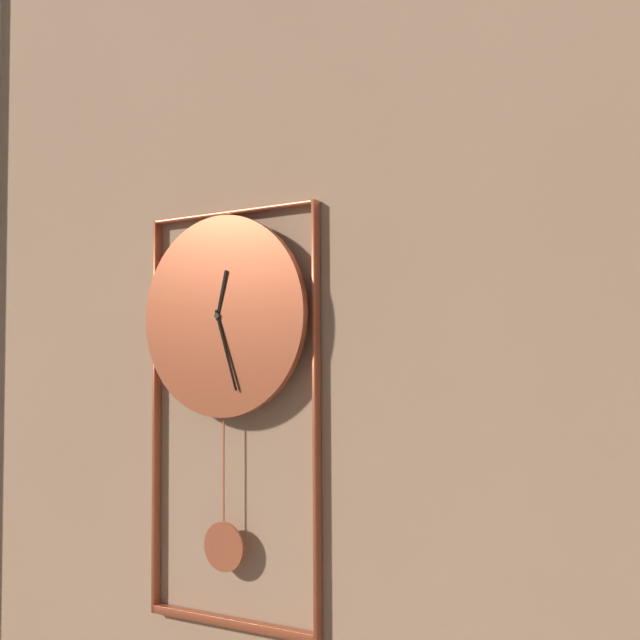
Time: 12h27
